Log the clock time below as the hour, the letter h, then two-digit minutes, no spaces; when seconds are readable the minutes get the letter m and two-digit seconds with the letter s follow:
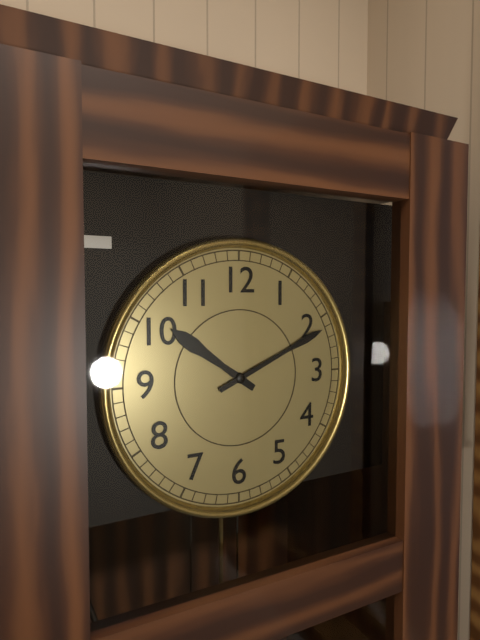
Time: 10h11
